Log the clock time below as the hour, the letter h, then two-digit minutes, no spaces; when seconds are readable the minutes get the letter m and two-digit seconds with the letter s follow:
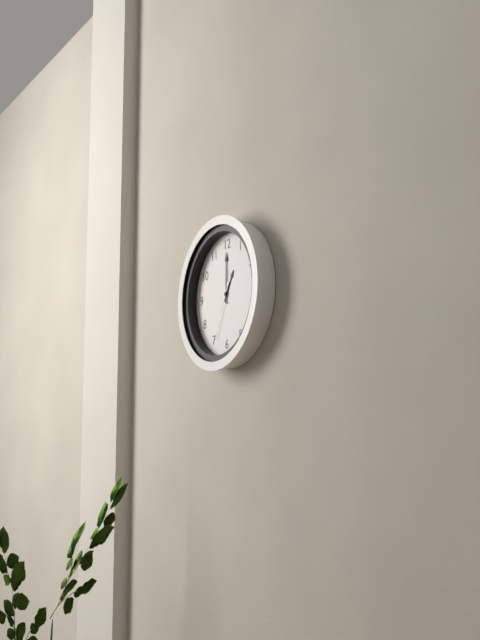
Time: 1h00m34s
